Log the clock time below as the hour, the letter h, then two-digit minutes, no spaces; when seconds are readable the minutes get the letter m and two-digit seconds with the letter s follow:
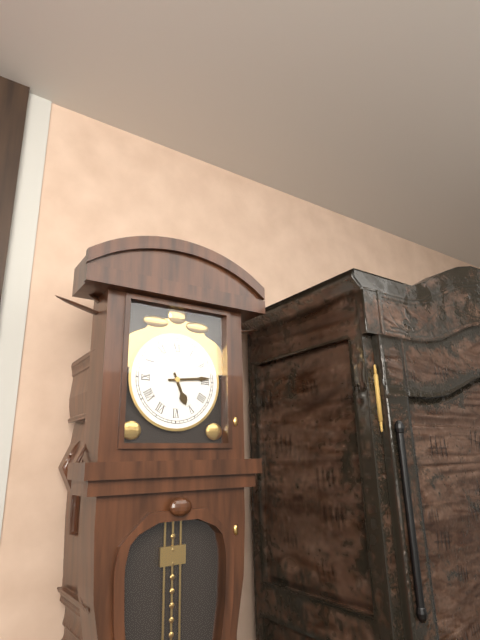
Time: 5h14
